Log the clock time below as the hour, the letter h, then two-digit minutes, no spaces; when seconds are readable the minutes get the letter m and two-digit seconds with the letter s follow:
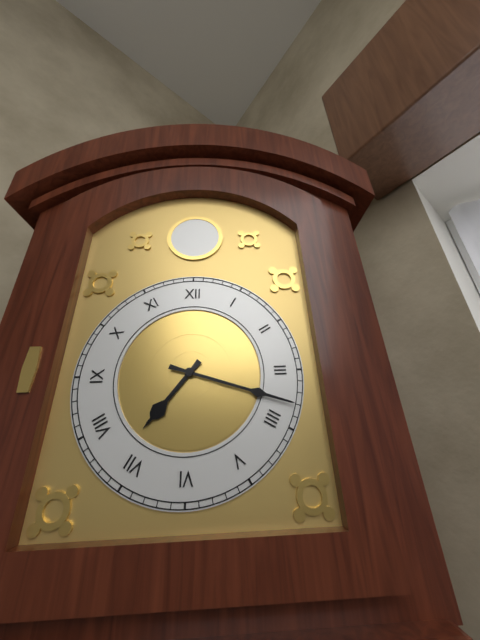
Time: 7h18
